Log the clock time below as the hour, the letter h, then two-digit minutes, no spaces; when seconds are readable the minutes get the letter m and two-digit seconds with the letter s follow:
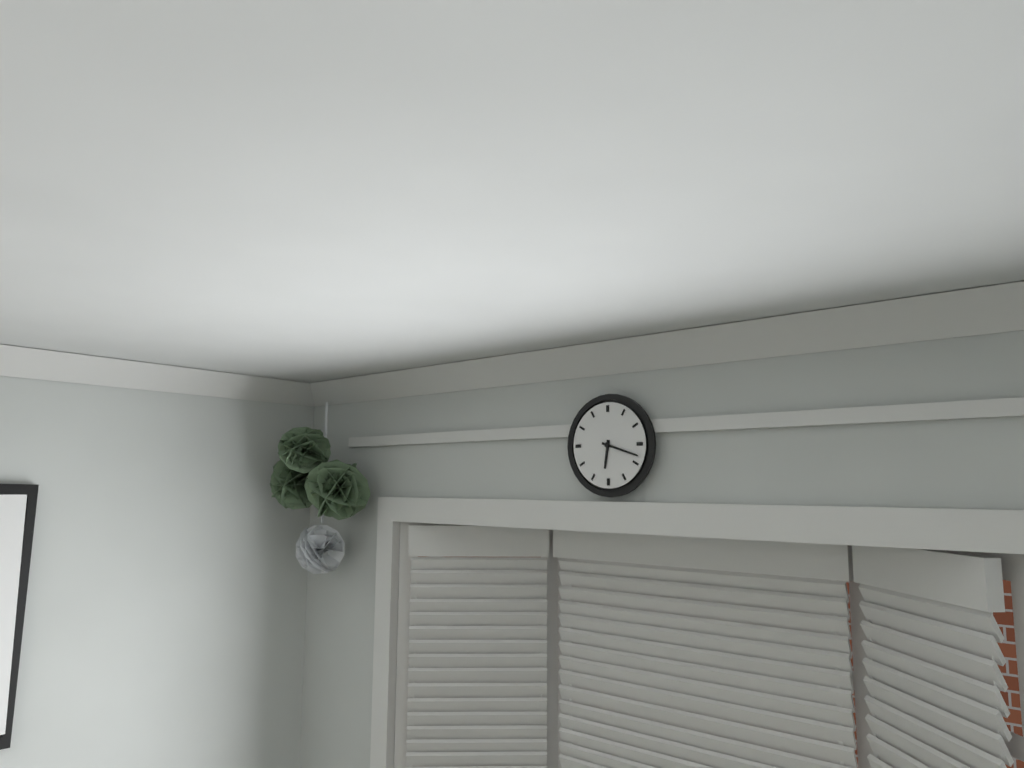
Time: 6h18
